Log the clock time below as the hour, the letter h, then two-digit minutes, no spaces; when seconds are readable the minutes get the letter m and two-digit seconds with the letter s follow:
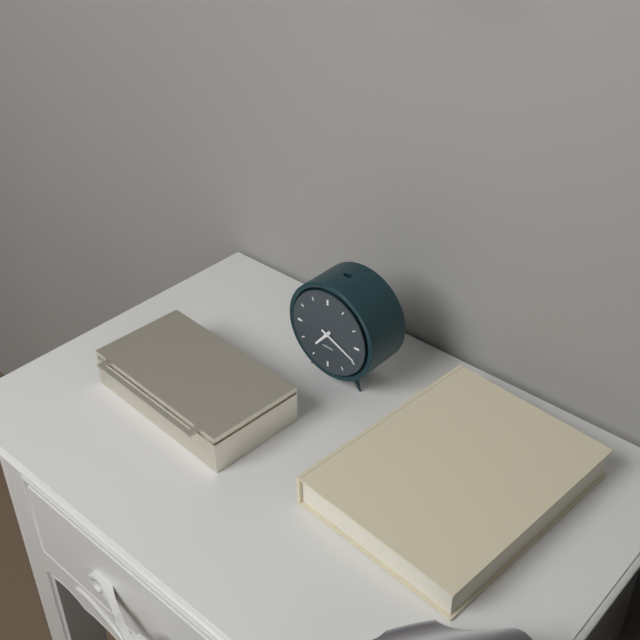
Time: 7h19
